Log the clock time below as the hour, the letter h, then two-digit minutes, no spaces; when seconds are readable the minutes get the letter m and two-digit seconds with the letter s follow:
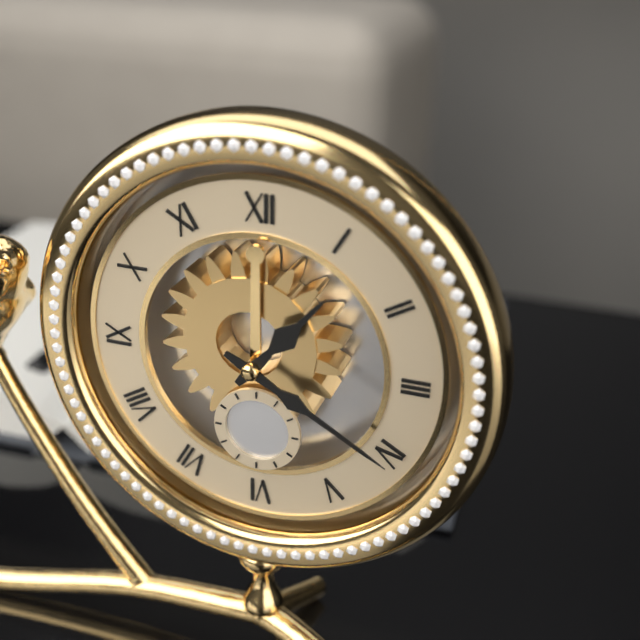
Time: 1h20
